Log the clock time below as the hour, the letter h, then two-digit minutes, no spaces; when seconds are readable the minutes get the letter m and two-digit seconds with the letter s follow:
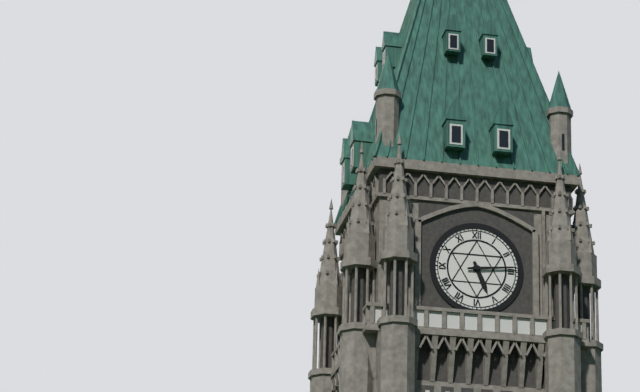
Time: 5h14
